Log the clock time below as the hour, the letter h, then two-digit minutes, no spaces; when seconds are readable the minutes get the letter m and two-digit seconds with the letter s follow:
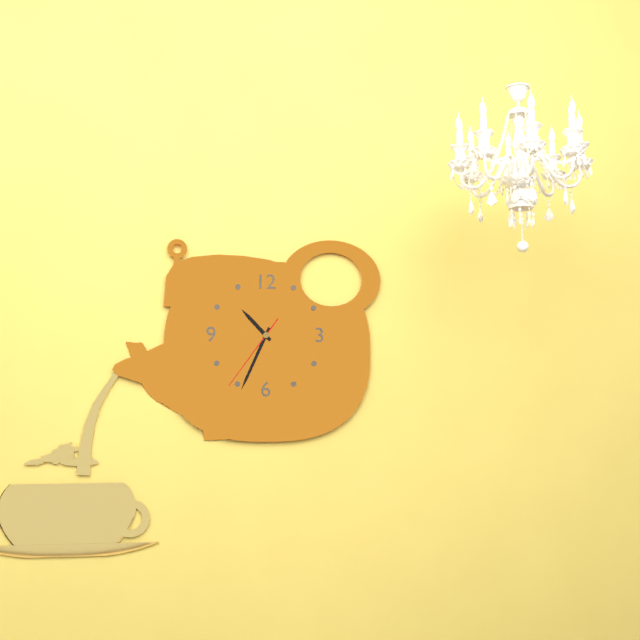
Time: 10h34m36s
